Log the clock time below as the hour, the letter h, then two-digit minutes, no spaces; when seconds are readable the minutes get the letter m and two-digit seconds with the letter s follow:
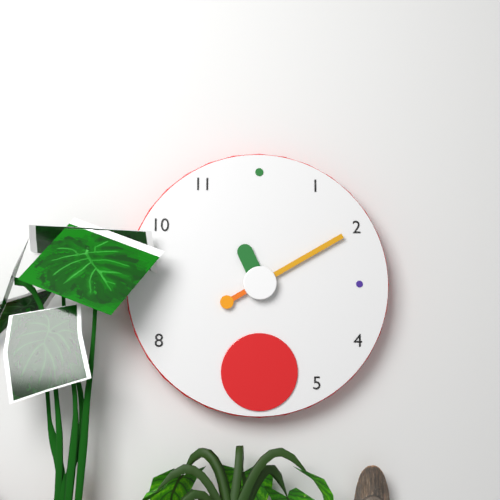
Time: 11h10
